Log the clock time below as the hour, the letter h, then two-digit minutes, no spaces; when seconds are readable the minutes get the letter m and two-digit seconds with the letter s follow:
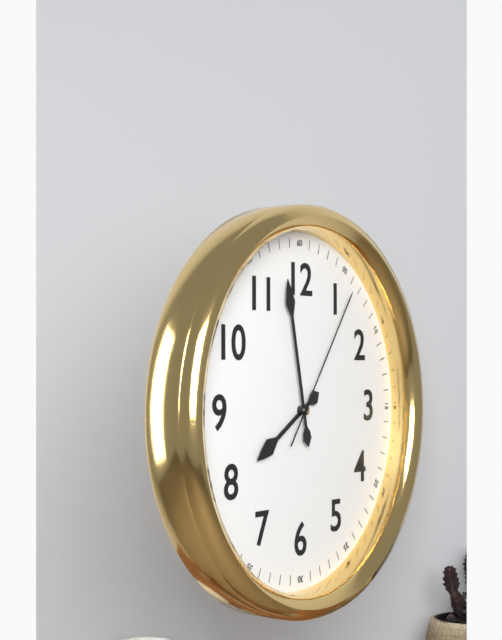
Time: 7h58m06s
